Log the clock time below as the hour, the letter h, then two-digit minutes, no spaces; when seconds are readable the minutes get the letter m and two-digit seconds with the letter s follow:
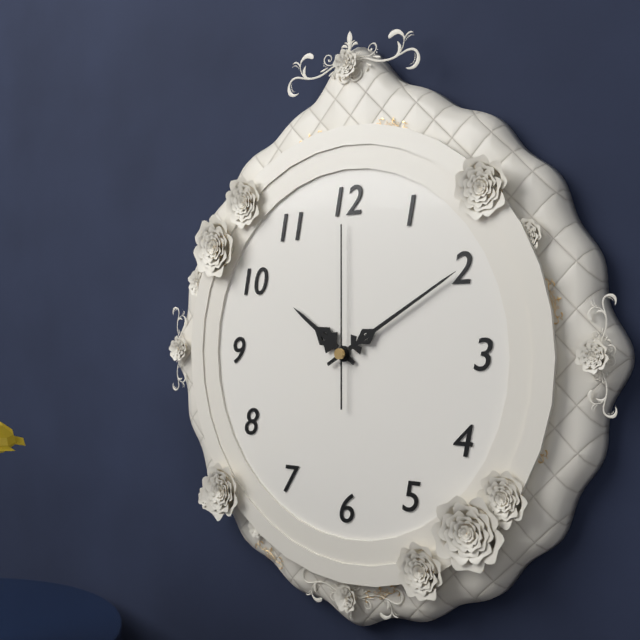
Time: 10h10m00s
